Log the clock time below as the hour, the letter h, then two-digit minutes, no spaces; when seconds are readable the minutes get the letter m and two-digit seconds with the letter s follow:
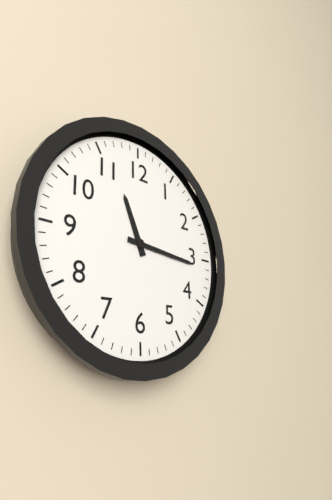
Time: 11h16
